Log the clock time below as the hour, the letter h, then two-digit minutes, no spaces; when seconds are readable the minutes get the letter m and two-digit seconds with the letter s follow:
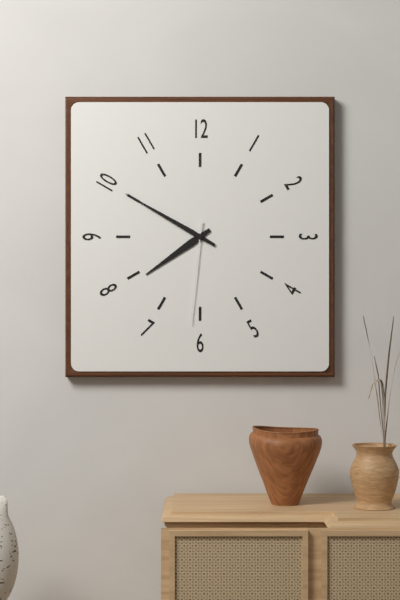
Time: 7h50m31s
